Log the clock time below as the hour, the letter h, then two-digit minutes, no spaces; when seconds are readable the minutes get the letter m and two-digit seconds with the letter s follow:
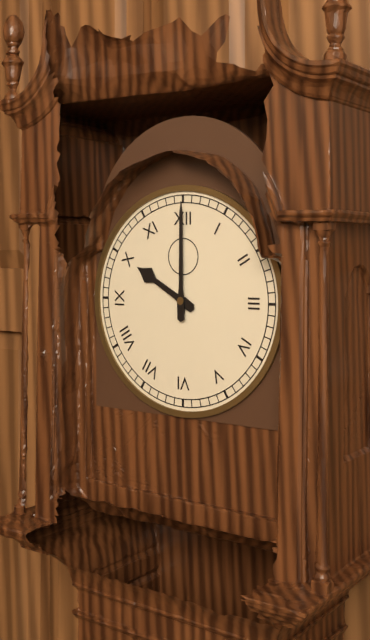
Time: 10h00
